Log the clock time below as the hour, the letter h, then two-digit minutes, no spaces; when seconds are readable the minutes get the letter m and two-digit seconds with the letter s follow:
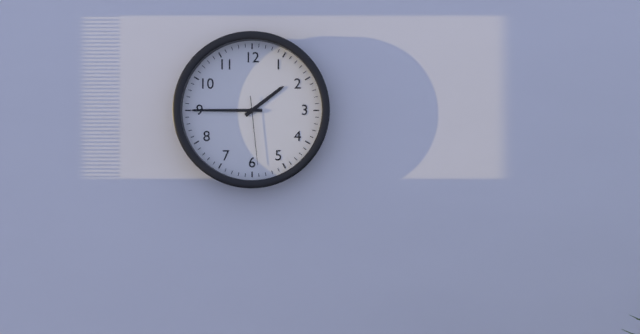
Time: 1h45m29s
